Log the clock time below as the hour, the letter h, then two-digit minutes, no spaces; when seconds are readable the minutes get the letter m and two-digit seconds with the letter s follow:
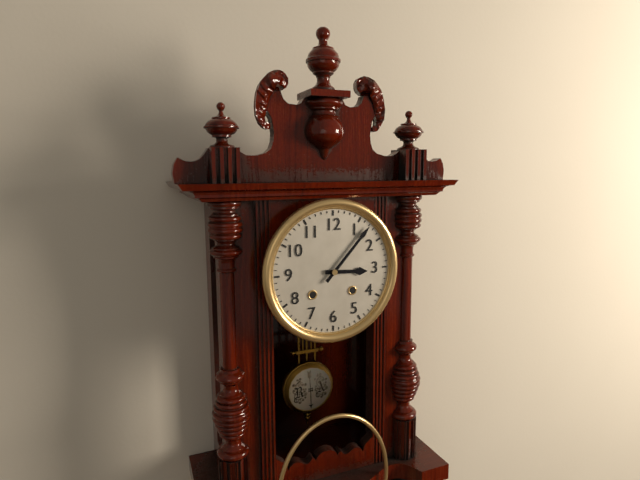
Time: 3h07
